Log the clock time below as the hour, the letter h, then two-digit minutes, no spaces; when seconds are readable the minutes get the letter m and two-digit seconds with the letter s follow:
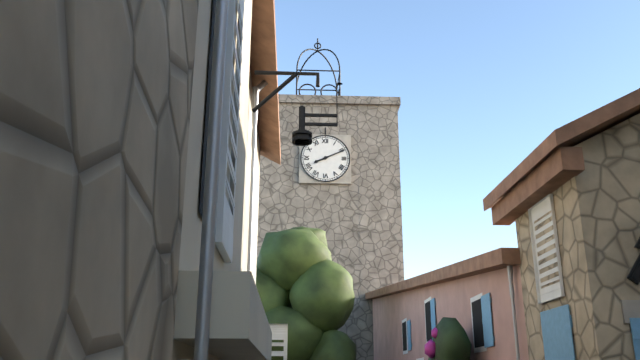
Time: 8h11
